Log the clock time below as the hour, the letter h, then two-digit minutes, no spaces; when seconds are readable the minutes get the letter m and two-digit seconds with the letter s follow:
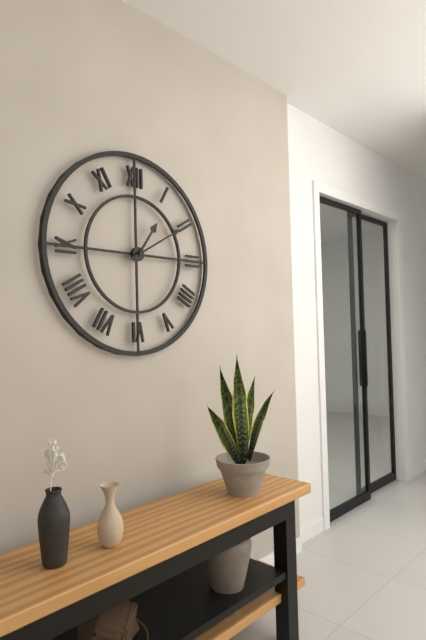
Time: 1h10
